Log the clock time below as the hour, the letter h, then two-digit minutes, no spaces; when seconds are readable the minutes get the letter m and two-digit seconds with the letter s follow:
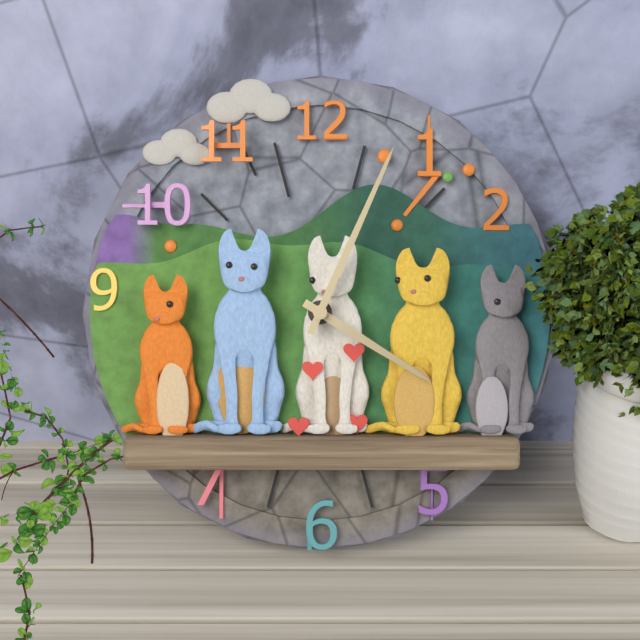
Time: 4h04
